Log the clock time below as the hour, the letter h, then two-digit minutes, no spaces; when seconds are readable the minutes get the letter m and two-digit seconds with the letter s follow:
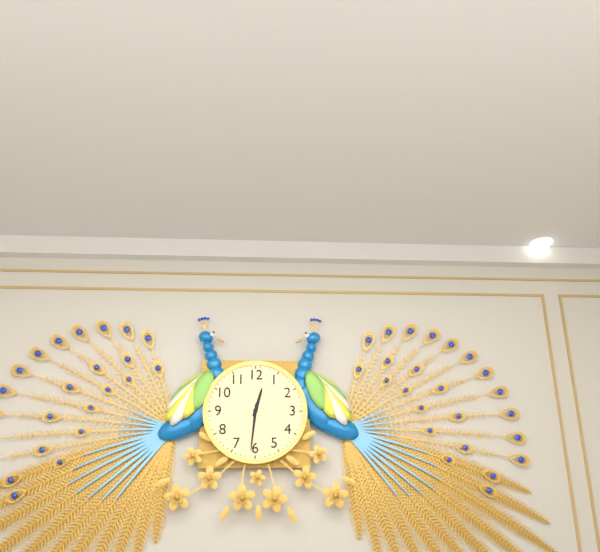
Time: 12h31
